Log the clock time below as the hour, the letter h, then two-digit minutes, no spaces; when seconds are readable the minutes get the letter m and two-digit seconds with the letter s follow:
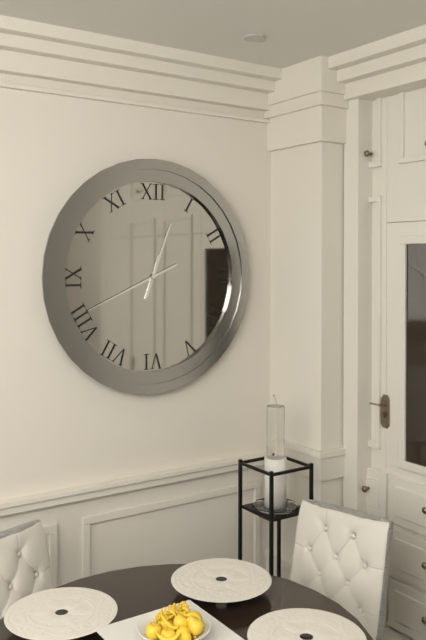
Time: 12h41
